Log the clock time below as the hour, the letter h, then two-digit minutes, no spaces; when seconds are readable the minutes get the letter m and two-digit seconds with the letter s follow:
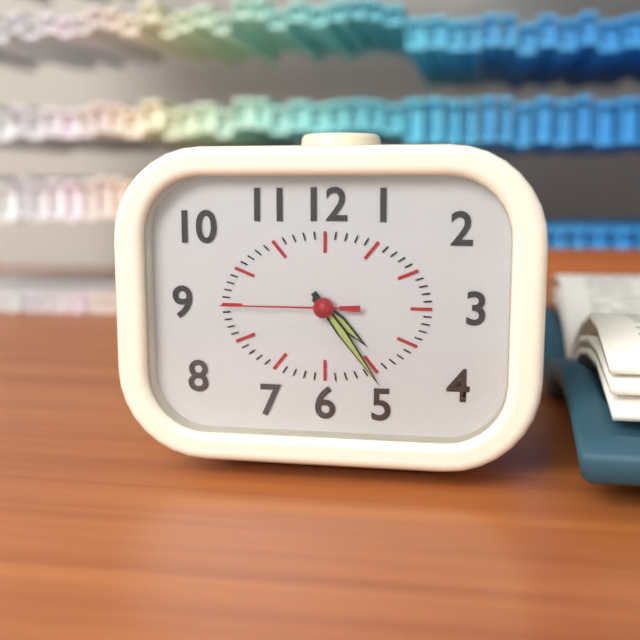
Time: 4h24m45s
